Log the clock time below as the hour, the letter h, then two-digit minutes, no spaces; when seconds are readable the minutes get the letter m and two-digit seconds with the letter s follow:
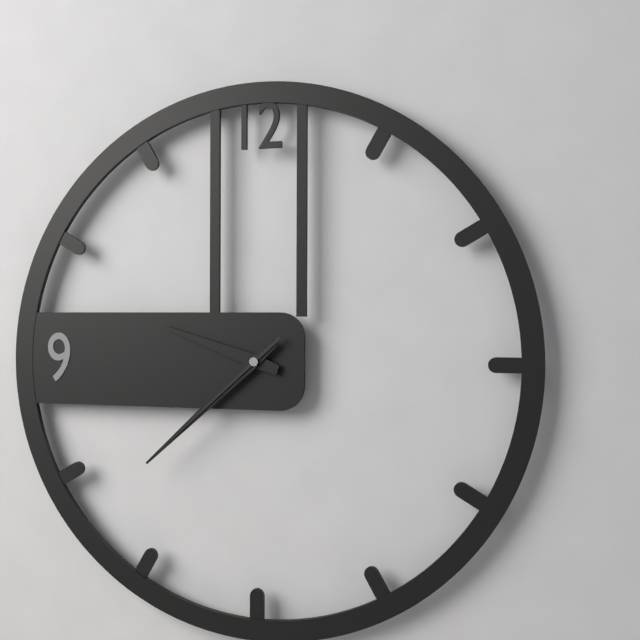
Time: 9h38m38s
